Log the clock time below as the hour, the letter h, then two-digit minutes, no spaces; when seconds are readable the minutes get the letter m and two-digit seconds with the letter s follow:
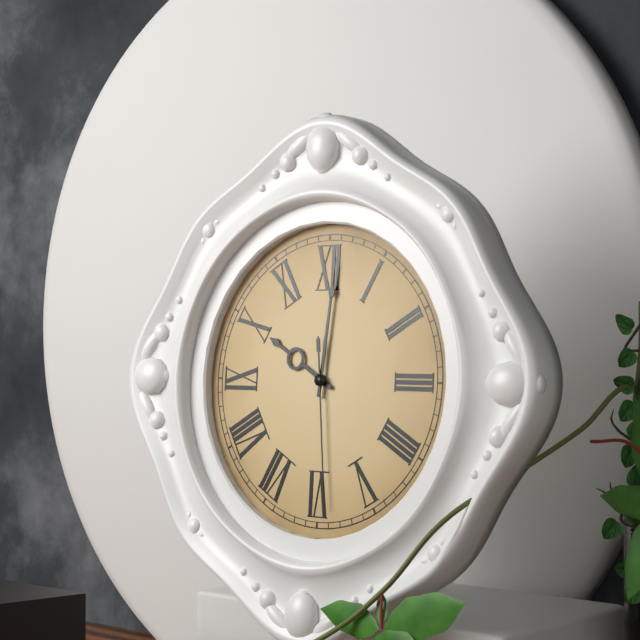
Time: 10h01m29s
